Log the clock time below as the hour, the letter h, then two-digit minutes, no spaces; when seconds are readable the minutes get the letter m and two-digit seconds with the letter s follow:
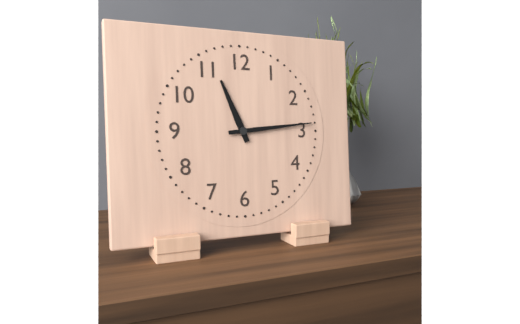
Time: 11h14
